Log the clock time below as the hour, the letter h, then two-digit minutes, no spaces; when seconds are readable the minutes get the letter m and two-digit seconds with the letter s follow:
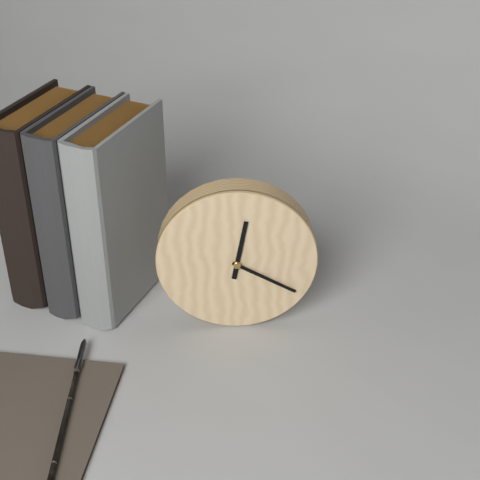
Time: 12h20
